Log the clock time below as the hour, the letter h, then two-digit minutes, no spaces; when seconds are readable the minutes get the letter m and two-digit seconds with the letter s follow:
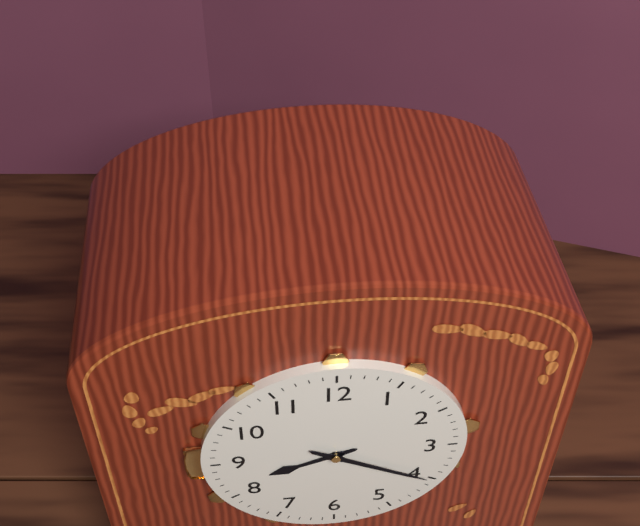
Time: 8h20
